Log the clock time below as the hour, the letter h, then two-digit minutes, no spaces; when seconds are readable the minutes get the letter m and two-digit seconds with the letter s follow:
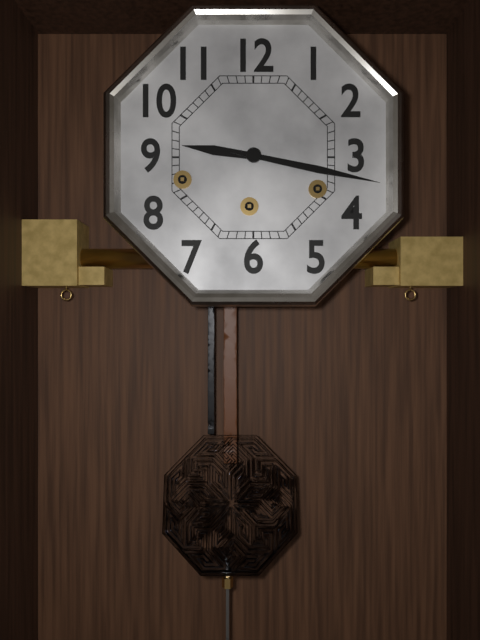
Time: 9h17
